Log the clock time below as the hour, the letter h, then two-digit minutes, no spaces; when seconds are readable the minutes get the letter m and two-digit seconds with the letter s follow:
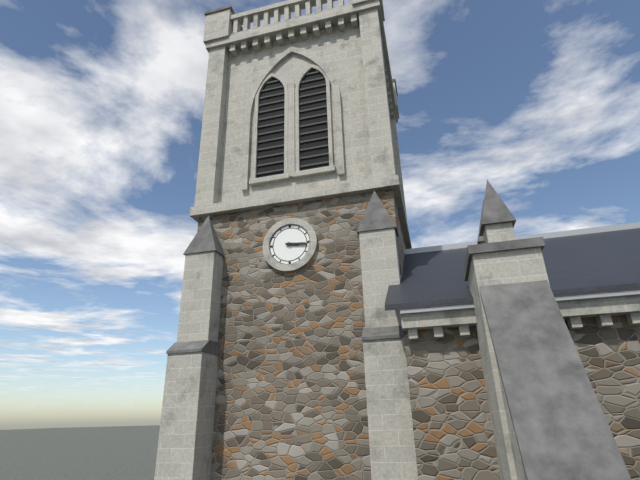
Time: 3h16
